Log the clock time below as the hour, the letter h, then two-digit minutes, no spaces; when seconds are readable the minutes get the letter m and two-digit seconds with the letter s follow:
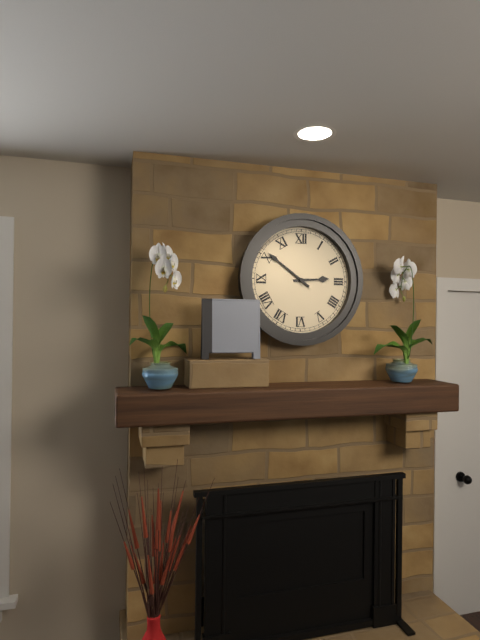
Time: 2h51
